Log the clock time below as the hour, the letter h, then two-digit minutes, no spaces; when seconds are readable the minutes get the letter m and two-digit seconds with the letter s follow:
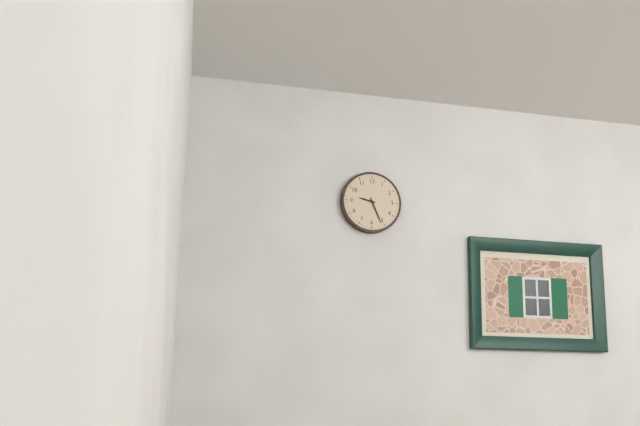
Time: 9h26
